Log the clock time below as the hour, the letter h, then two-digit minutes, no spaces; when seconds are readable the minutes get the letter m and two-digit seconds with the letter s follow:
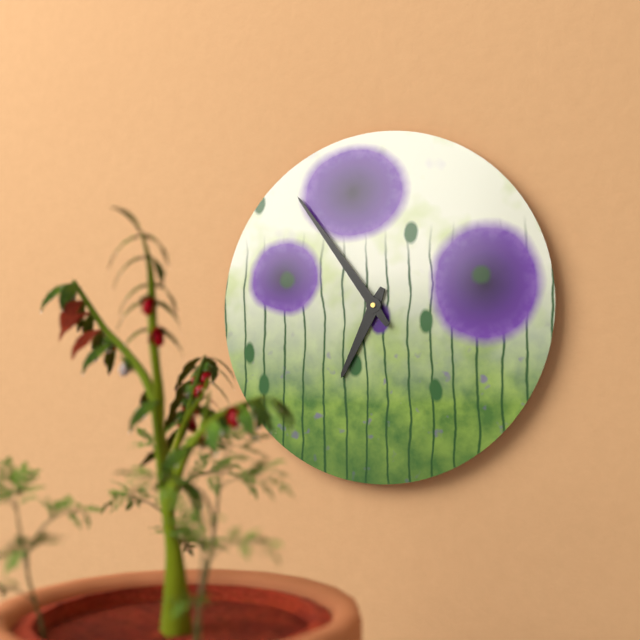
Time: 6h54
